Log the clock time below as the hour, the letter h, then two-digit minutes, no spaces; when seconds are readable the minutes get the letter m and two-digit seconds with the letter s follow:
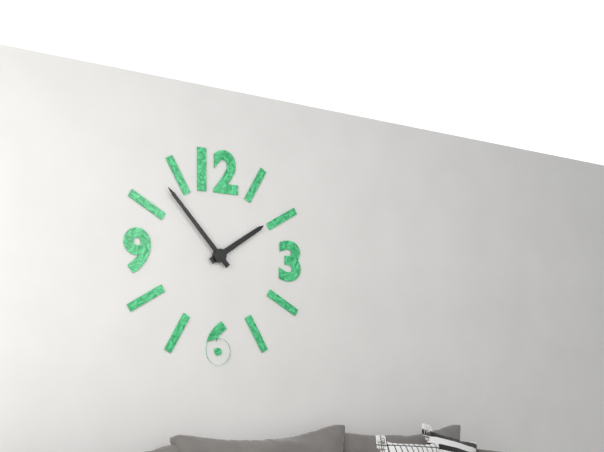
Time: 1h53
